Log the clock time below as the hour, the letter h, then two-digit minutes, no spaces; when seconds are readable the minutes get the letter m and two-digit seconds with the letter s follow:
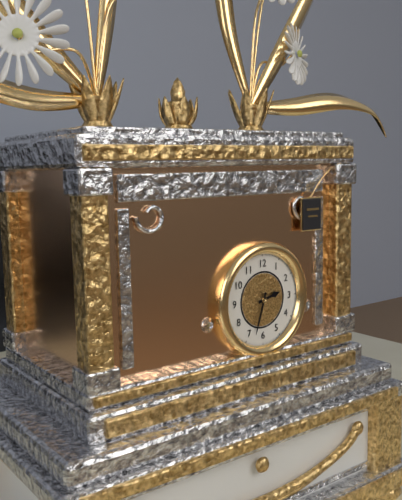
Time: 2h33
